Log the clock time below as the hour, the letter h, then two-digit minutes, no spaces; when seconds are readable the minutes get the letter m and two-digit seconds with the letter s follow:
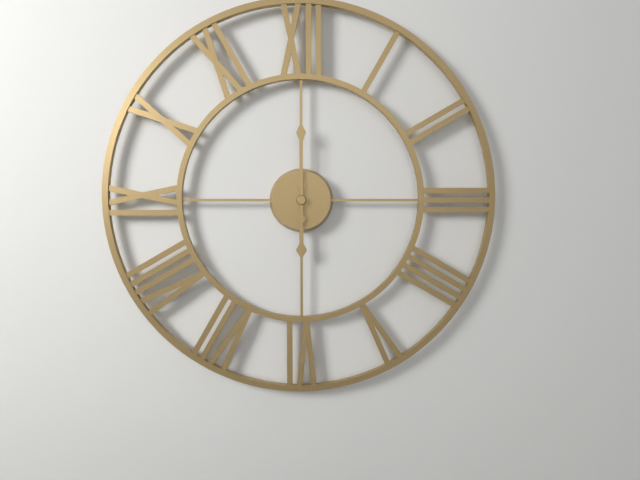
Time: 6h00
